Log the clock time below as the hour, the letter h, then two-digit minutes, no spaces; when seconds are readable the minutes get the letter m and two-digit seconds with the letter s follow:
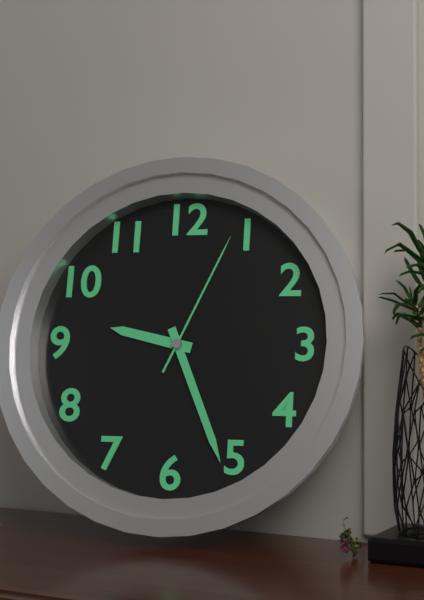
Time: 9h26m04s
